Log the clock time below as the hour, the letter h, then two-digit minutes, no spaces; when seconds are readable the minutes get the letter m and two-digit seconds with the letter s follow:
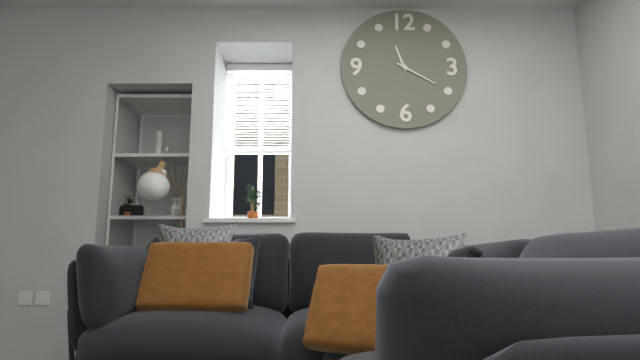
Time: 11h20
